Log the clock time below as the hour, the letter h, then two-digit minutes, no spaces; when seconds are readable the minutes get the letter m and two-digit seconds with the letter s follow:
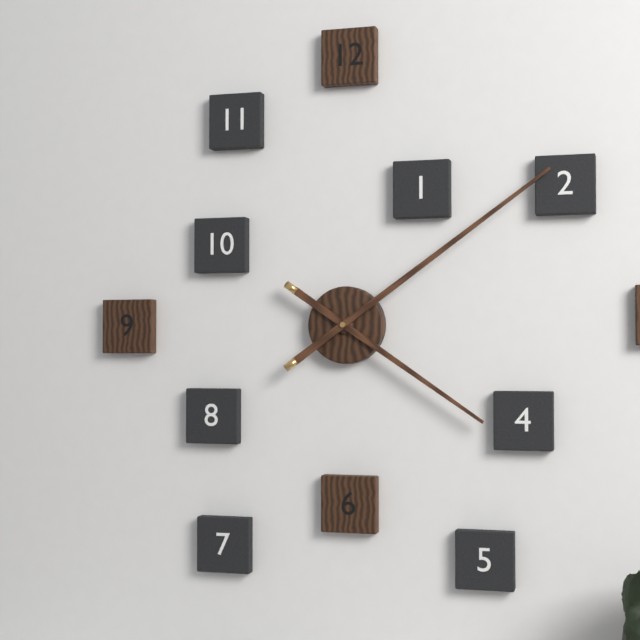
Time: 4h09
